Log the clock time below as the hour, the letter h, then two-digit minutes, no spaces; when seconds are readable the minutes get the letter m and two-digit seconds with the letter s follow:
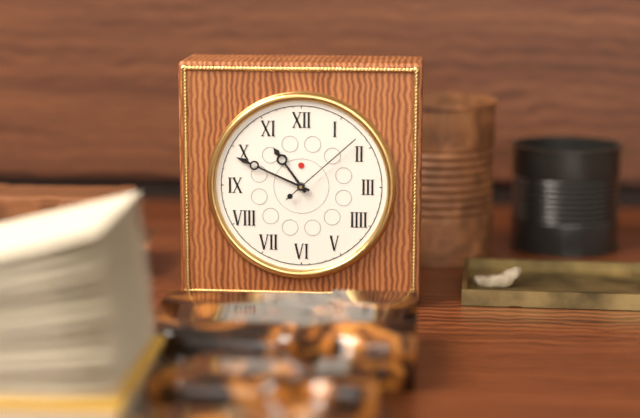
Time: 10h49m08s
